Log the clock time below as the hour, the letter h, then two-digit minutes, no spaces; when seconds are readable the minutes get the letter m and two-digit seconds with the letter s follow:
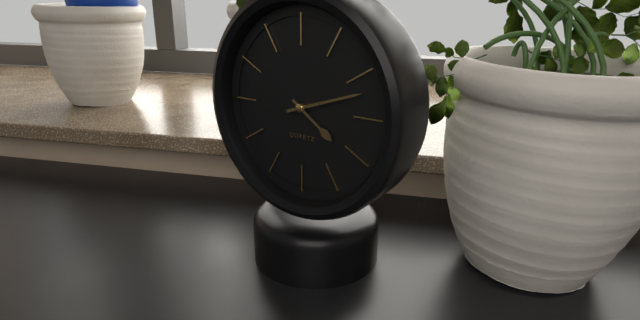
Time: 4h12
